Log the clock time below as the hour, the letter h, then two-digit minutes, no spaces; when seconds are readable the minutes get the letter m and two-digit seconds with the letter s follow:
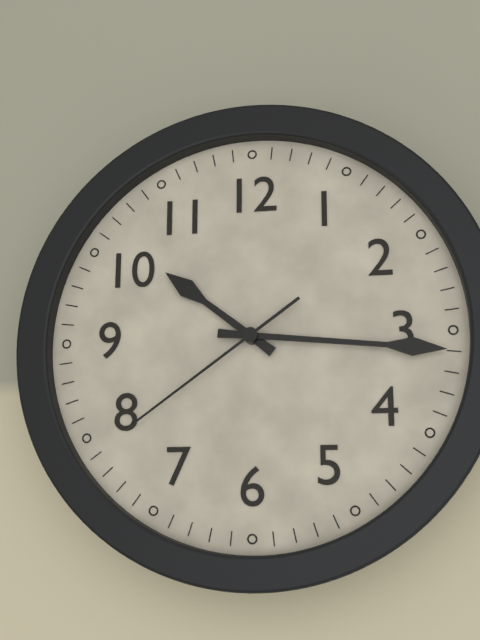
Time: 10h16m39s
